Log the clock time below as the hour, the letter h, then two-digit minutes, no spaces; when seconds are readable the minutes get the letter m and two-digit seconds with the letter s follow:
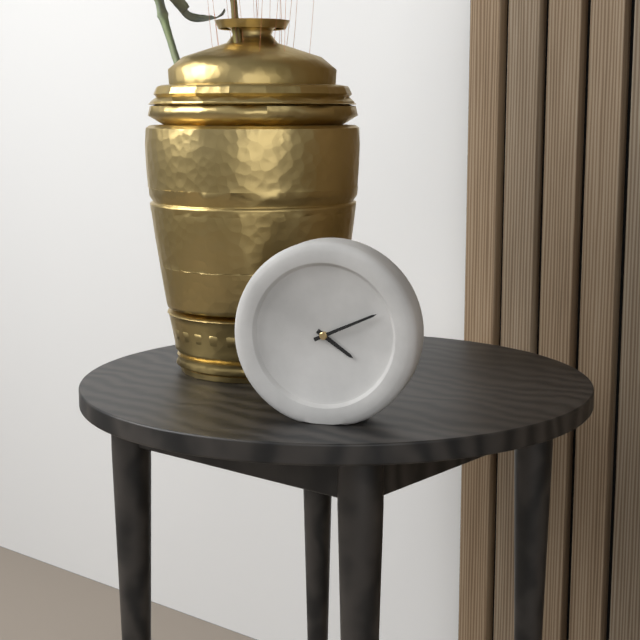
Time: 4h11
